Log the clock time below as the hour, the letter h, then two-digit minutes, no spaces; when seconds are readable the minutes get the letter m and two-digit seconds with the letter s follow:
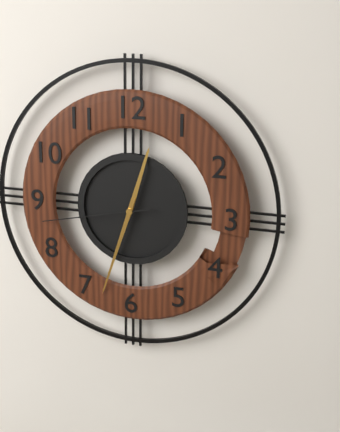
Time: 12h33m43s
